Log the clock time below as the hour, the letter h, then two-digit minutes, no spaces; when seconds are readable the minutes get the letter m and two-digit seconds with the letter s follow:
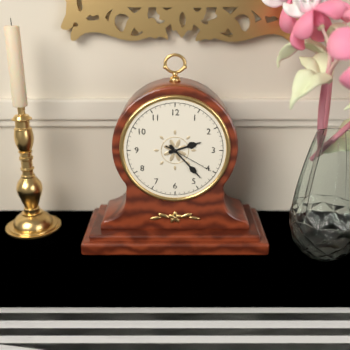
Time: 2h23m20s
